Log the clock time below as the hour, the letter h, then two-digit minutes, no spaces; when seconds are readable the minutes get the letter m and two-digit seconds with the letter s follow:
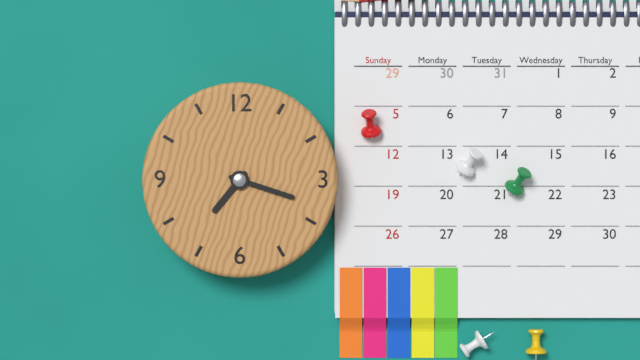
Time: 7h18
